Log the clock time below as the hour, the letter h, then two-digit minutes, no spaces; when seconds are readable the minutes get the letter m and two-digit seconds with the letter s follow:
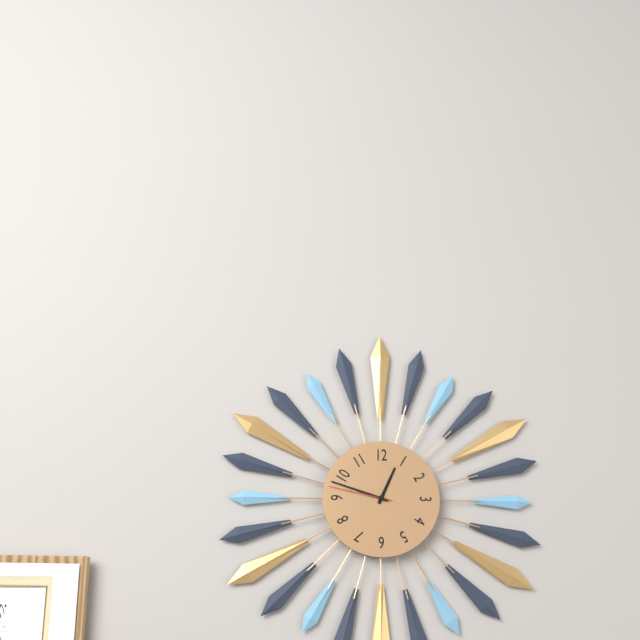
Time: 12h48m47s
